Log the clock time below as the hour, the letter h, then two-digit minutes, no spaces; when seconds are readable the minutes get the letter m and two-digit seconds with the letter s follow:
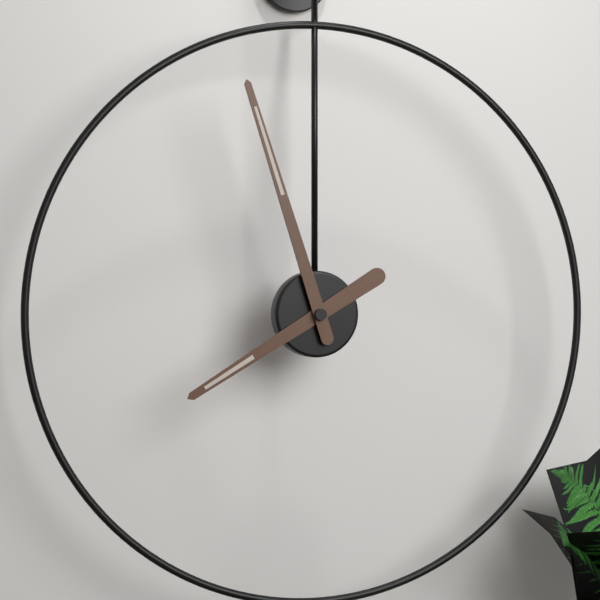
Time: 7h57
